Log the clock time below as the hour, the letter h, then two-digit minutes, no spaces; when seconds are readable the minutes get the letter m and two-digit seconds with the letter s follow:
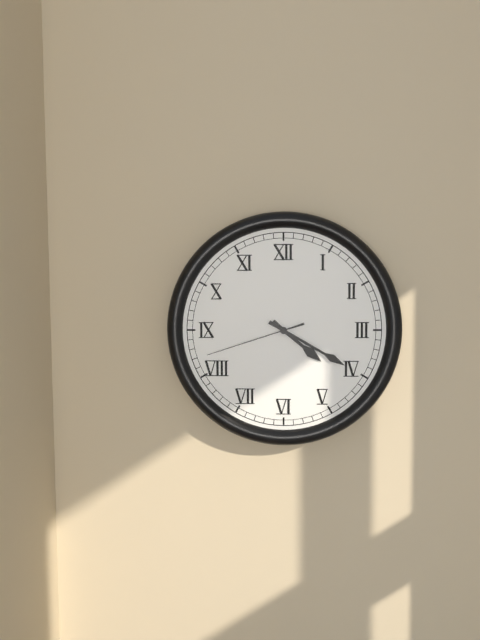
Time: 4h20m42s
